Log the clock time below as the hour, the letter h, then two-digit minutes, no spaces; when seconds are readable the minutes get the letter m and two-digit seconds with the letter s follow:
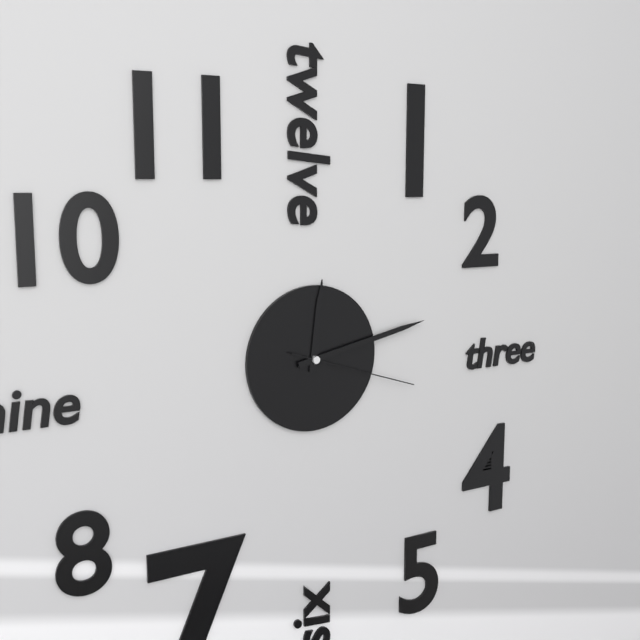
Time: 12h13m18s
